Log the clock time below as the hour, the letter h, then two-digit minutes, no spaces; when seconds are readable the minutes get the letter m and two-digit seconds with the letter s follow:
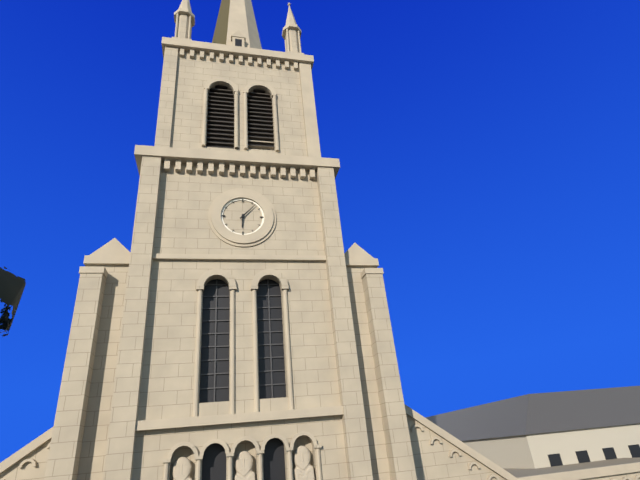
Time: 6h07
